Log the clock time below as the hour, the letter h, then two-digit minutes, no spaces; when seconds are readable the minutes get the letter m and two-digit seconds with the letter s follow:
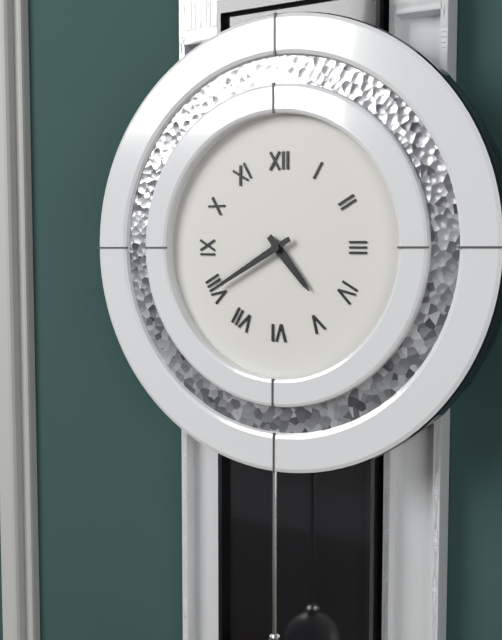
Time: 4h40
